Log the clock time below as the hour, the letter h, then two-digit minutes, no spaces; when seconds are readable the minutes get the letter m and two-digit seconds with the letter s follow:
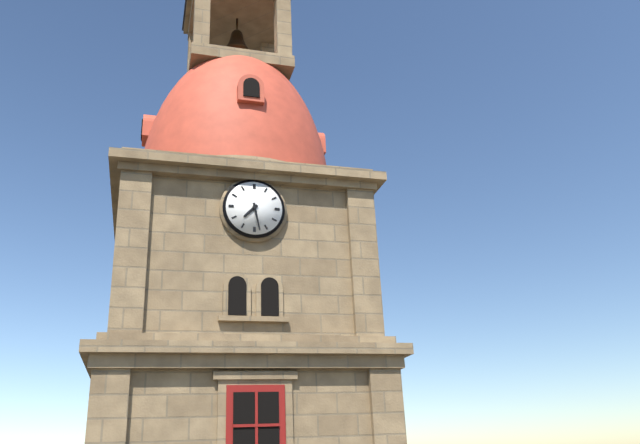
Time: 7h28
